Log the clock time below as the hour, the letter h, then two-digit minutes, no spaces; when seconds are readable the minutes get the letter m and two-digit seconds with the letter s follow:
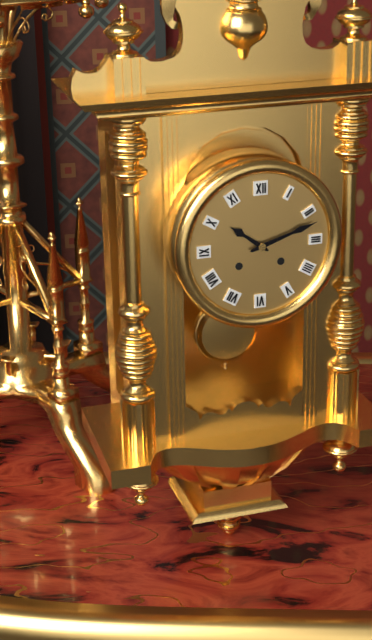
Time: 10h12
